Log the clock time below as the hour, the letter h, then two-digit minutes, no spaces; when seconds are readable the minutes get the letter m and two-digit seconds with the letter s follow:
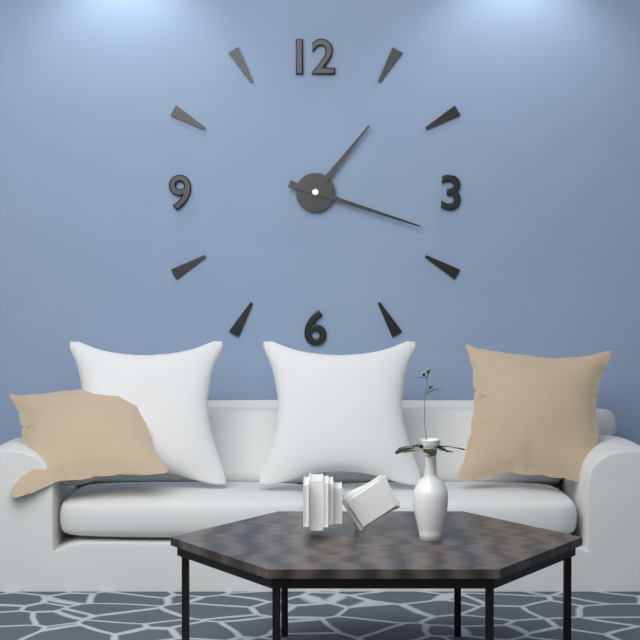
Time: 1h18
